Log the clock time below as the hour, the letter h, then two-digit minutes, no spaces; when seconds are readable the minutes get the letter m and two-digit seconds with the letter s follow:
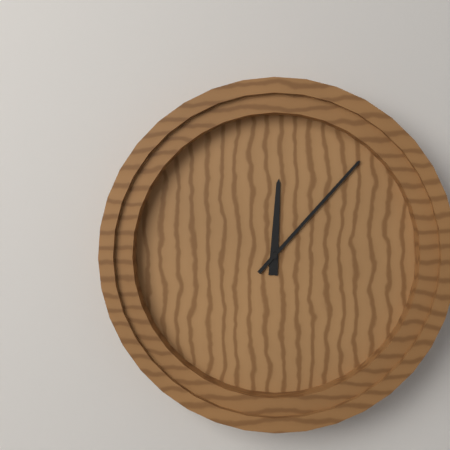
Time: 12h07
